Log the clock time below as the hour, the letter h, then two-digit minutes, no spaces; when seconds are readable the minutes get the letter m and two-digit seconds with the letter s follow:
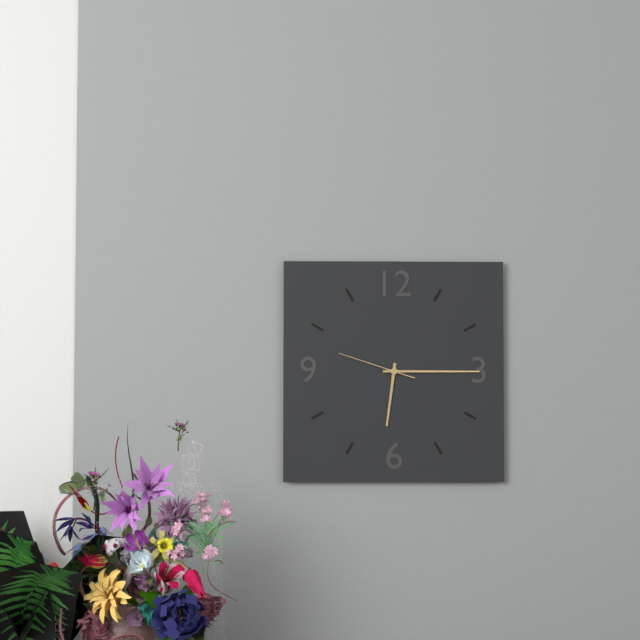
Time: 6h15m48s
